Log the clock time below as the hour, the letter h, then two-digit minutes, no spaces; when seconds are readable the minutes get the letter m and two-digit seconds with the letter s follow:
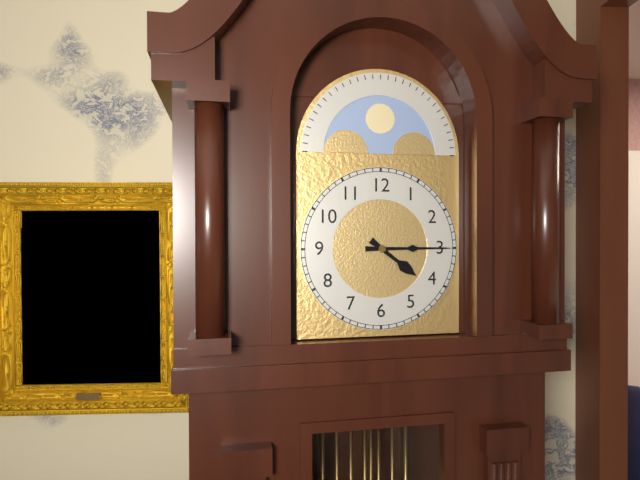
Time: 4h15
